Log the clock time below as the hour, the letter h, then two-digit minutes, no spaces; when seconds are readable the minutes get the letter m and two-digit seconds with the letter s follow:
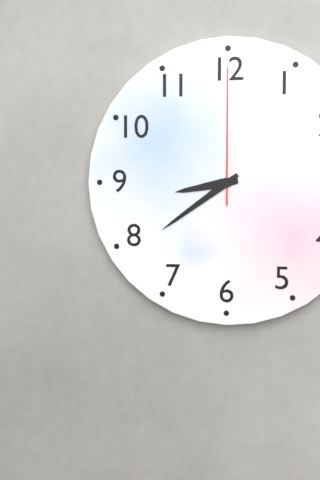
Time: 8h39m00s
